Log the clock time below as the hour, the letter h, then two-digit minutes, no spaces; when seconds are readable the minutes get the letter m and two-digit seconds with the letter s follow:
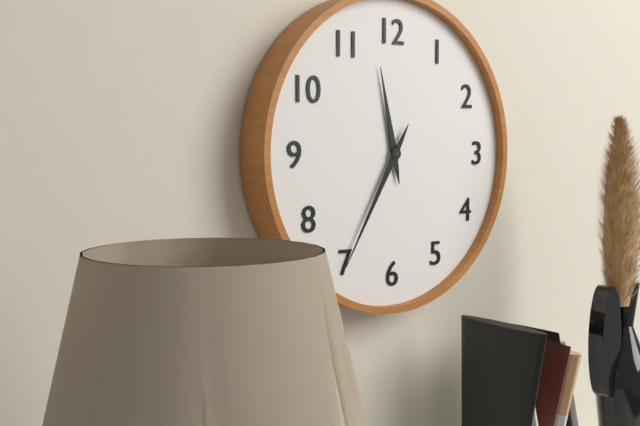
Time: 11h35
